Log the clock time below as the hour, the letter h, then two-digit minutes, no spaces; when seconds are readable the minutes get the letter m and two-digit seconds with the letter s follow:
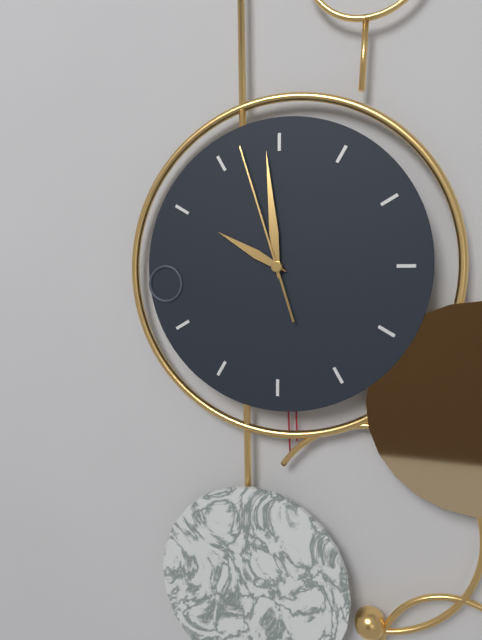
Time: 9h59m57s
